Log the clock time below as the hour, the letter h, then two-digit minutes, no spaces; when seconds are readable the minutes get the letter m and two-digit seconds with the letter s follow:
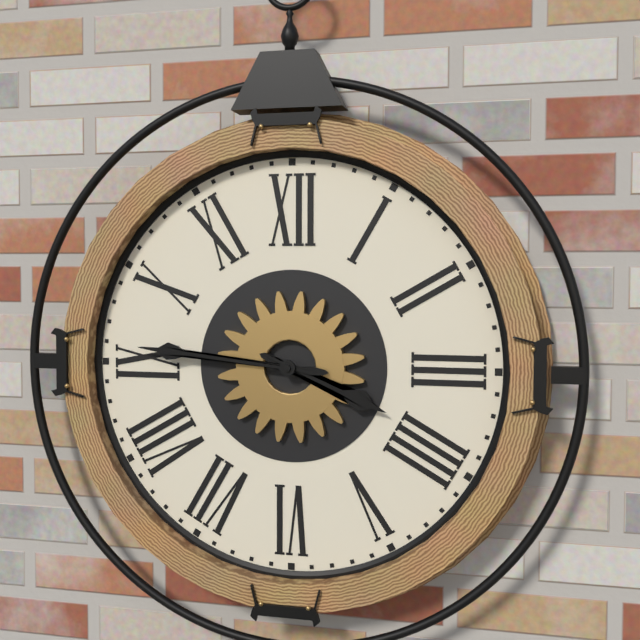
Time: 3h46
